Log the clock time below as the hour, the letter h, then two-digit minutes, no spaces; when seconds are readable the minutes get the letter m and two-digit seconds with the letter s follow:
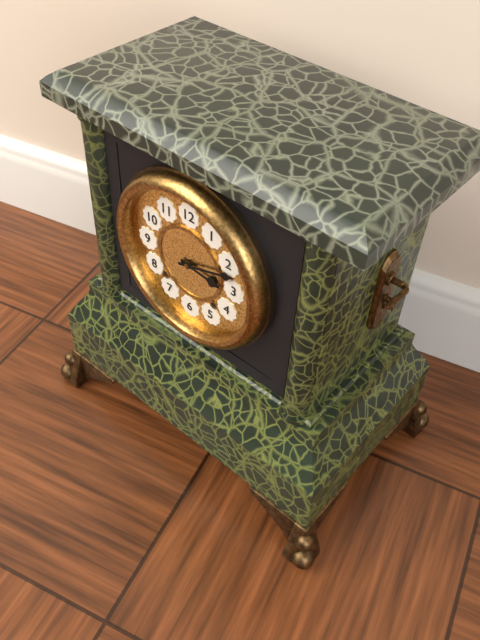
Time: 3h12
